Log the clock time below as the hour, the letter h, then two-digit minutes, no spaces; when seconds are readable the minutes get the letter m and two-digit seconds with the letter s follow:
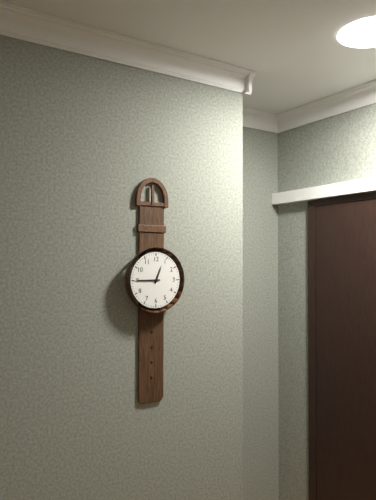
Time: 12h45
